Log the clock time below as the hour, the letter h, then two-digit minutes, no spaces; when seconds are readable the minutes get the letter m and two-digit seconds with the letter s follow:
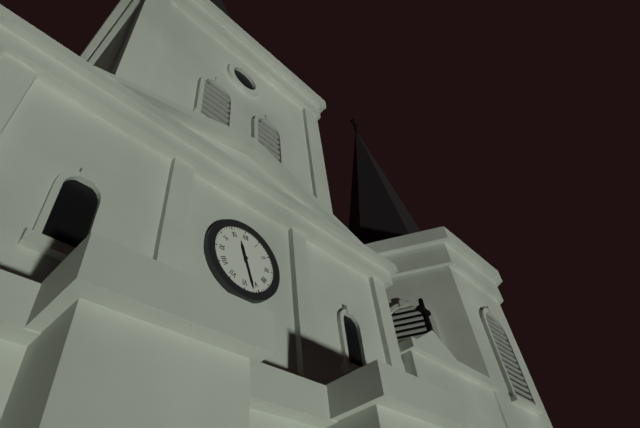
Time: 11h27
